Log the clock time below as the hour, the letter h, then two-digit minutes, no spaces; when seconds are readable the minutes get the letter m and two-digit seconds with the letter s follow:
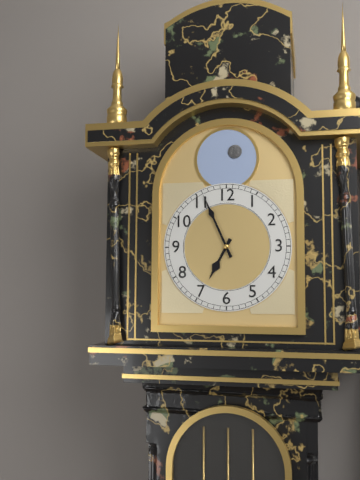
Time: 6h56
